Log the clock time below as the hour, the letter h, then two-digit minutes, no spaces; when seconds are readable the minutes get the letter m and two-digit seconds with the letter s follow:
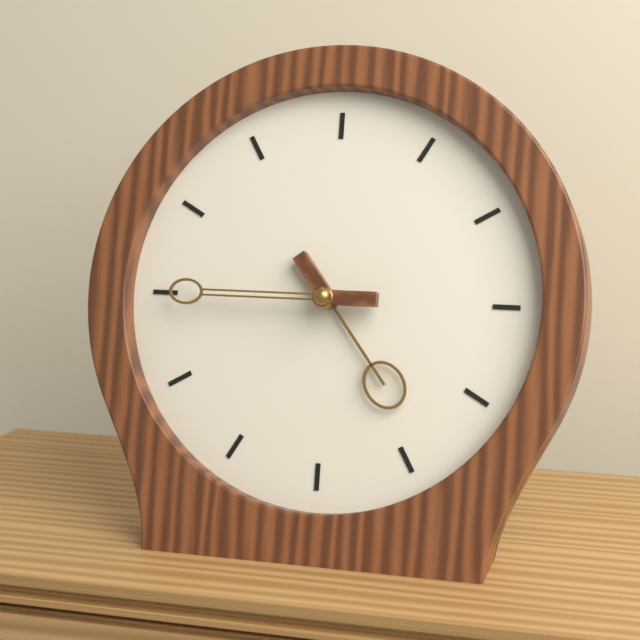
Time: 4h45
